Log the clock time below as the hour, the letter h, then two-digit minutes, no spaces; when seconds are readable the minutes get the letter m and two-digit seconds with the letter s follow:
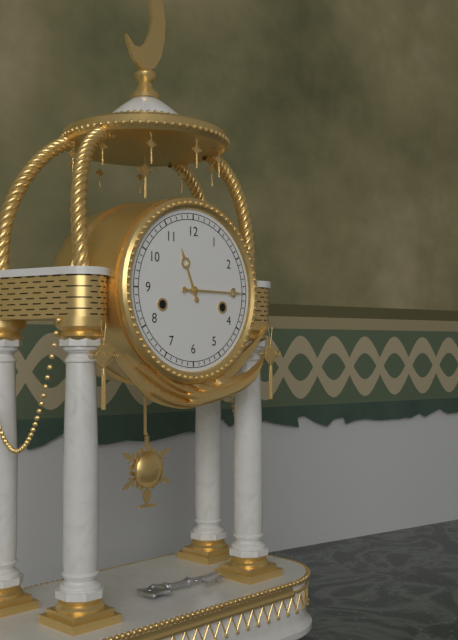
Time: 11h15
